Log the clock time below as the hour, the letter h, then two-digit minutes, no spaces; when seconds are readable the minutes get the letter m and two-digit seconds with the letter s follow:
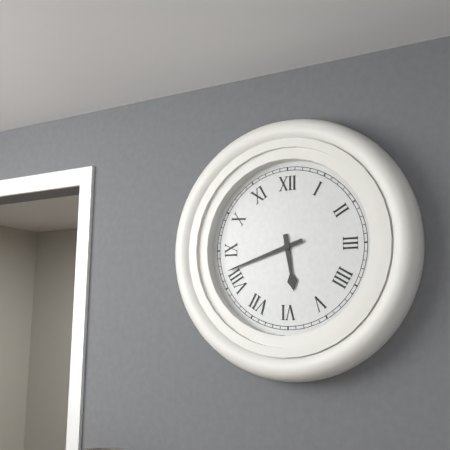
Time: 5h42
